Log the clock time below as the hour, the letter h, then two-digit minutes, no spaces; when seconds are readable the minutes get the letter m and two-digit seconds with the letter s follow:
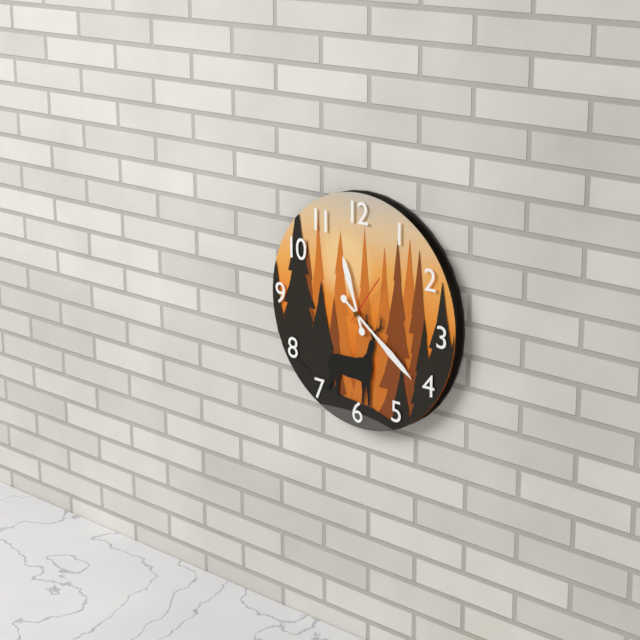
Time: 11h21m06s
